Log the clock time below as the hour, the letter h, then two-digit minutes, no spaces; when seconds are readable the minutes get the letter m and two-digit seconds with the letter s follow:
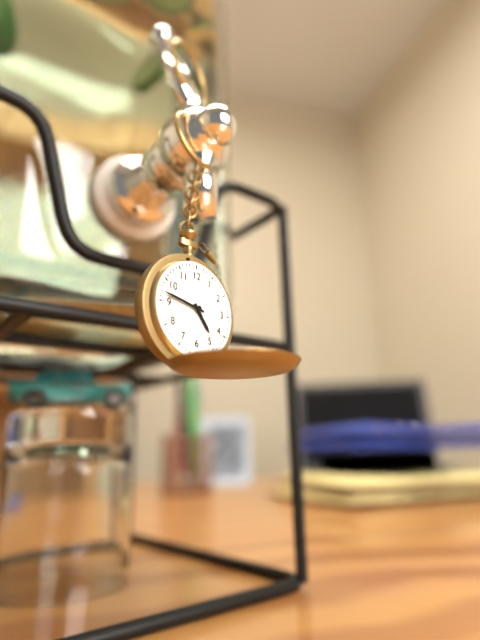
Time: 4h47
